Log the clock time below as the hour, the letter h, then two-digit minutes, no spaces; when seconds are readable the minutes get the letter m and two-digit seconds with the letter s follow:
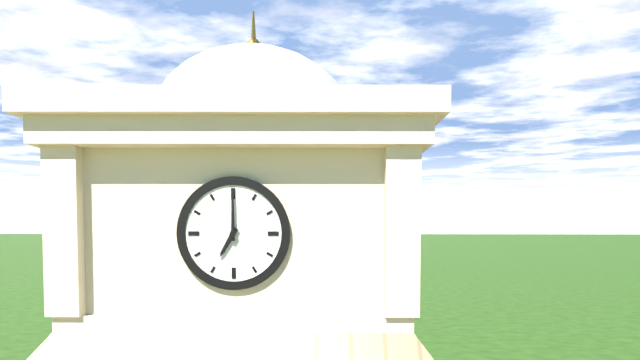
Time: 7h00
